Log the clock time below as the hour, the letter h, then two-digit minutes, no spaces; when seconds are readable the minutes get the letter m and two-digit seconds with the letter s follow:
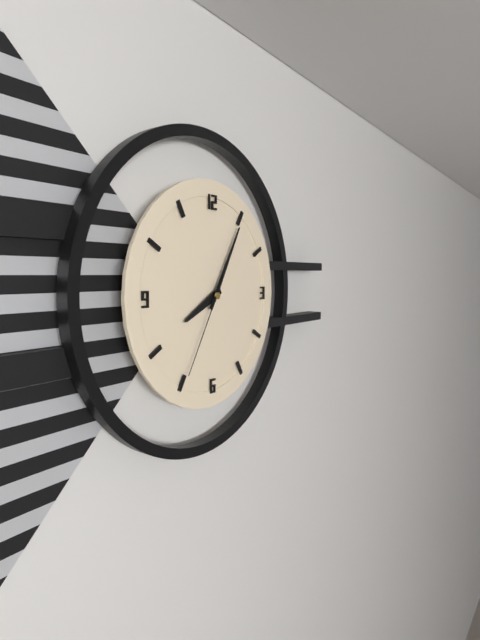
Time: 8h05m35s
